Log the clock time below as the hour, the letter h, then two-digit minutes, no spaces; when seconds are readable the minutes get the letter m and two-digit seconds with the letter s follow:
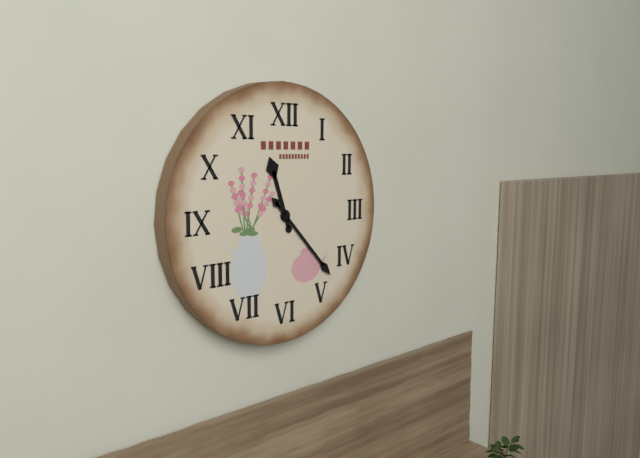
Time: 11h23
